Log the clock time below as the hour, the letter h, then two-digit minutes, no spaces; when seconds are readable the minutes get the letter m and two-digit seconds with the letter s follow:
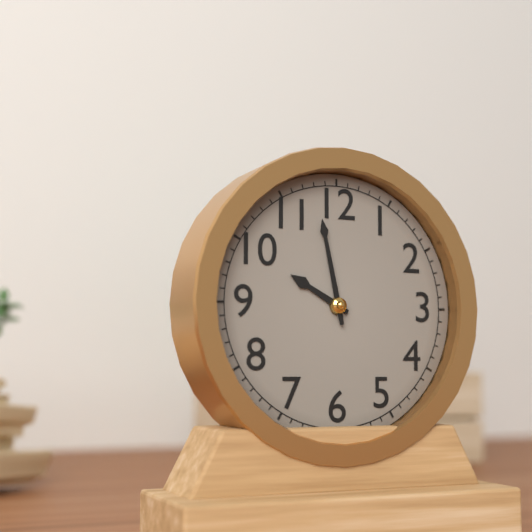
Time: 9h58
